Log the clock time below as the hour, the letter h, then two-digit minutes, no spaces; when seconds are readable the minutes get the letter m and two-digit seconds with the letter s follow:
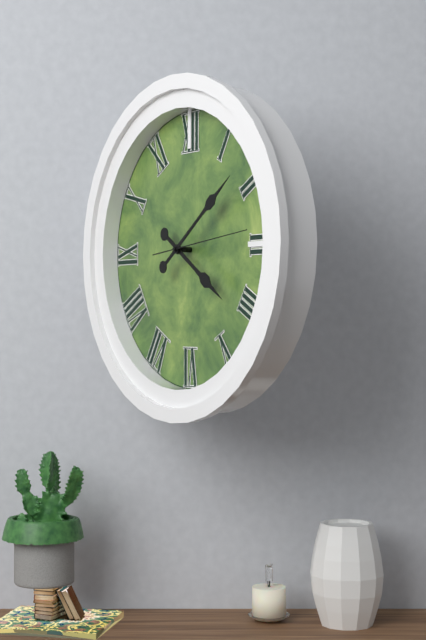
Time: 4h09m14s
